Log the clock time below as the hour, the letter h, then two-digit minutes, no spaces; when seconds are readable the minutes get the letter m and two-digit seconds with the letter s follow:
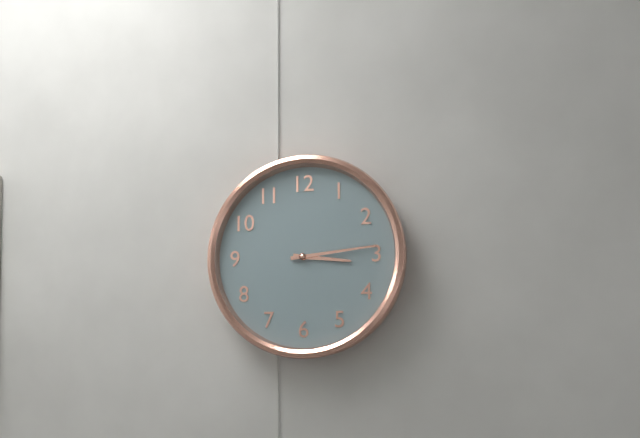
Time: 3h14
